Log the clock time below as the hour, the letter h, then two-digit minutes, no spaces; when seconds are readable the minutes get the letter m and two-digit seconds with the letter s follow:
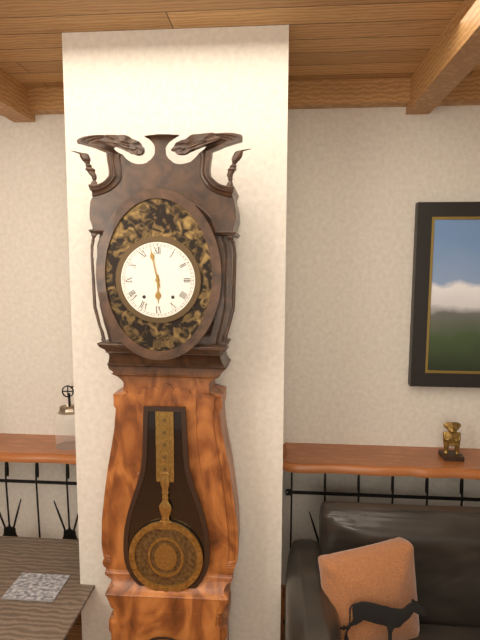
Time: 5h58
